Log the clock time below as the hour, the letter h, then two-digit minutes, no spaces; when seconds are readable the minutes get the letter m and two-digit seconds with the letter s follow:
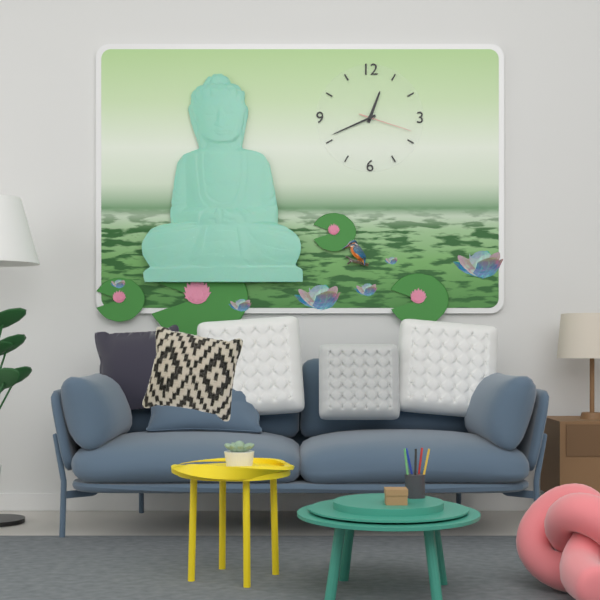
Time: 12h41m18s
